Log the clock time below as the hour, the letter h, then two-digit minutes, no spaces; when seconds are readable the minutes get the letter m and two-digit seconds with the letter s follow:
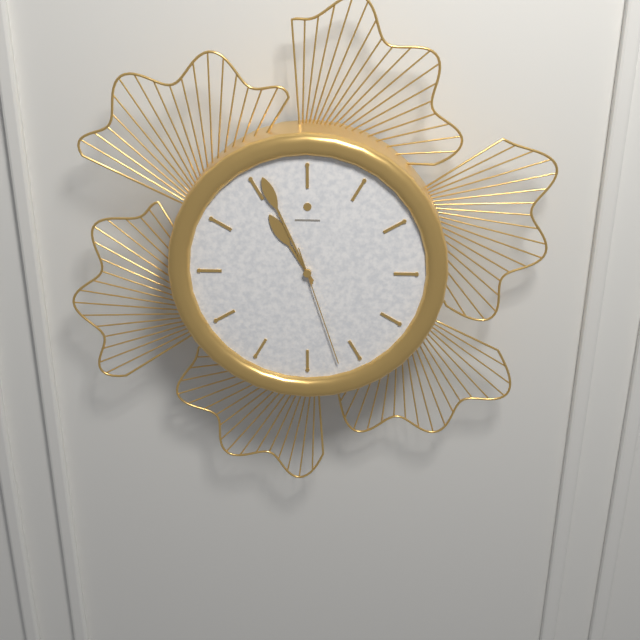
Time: 10h56m27s
